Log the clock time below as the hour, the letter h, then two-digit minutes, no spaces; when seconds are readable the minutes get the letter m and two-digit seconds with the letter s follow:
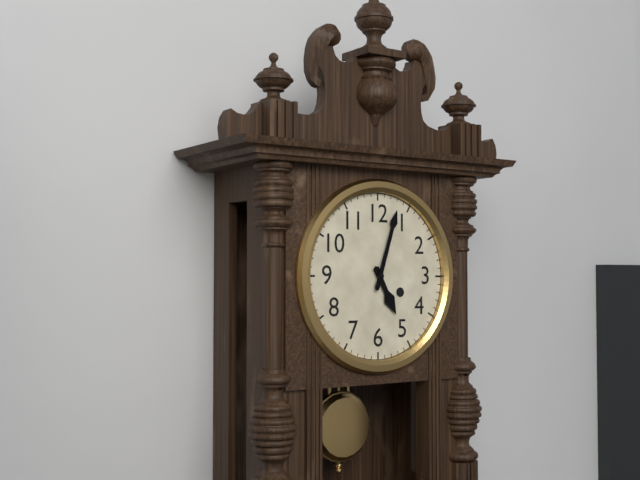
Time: 5h03
